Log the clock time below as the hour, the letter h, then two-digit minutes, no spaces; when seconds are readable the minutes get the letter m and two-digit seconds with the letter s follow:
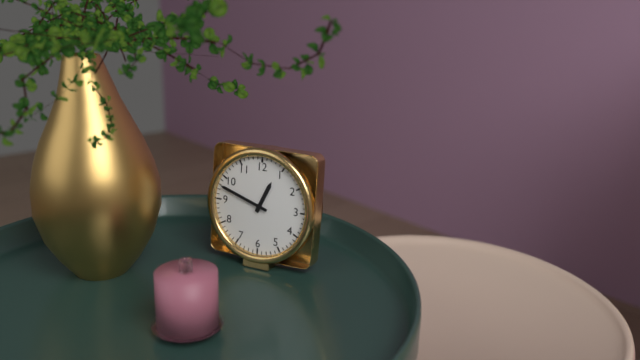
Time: 12h48
